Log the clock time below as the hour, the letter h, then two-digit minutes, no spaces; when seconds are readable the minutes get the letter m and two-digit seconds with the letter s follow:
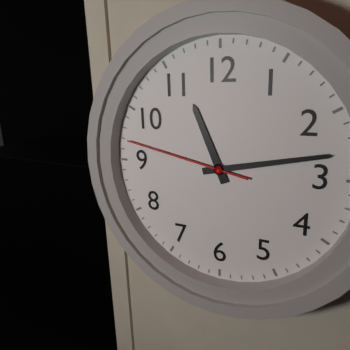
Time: 11h13m47s
